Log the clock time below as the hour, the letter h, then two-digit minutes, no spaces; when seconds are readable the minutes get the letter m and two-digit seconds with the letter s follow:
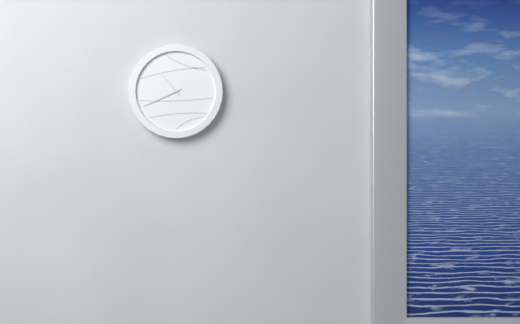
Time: 10h41
